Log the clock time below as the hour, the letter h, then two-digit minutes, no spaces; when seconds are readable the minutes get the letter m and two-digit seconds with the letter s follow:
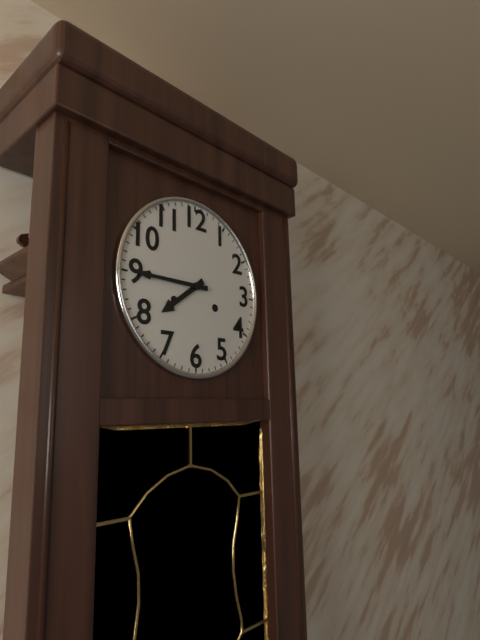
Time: 7h45
